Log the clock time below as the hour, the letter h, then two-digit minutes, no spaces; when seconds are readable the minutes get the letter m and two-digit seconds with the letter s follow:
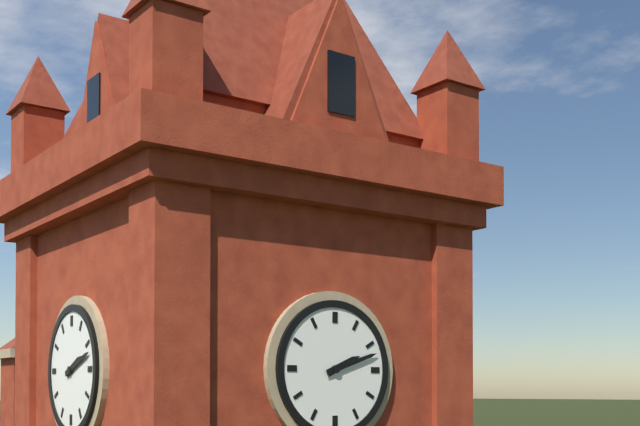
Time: 2h12
